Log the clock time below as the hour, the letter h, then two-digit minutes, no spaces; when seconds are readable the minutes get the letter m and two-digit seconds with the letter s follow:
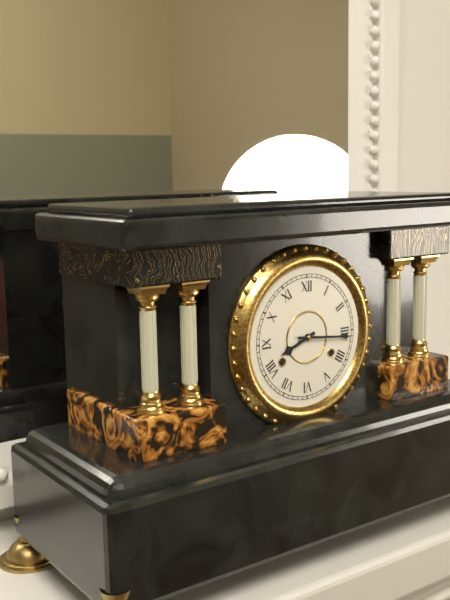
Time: 8h16
